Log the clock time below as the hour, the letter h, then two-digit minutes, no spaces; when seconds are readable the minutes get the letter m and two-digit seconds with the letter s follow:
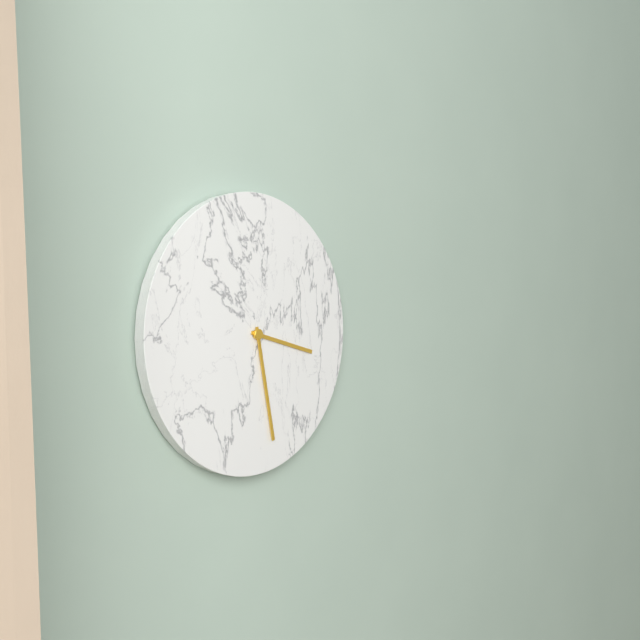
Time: 3h28
